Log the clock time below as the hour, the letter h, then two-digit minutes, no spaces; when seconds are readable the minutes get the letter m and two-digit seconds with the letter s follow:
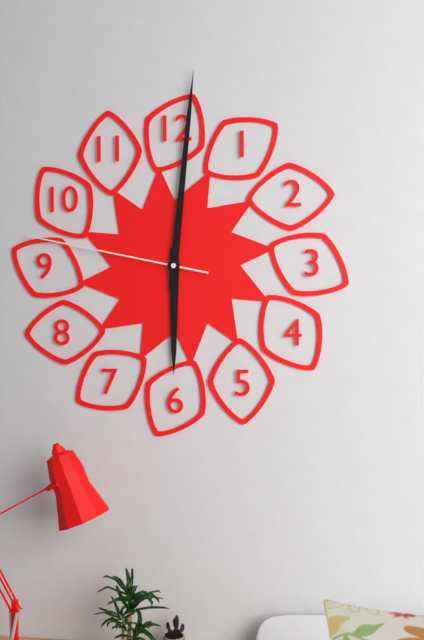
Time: 6h01m47s
